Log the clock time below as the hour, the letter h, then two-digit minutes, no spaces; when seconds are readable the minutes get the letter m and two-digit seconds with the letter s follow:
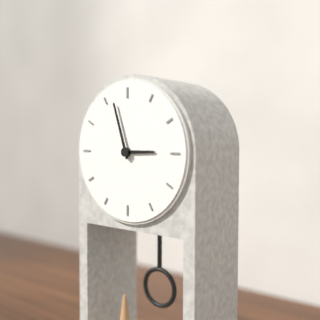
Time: 2h57
